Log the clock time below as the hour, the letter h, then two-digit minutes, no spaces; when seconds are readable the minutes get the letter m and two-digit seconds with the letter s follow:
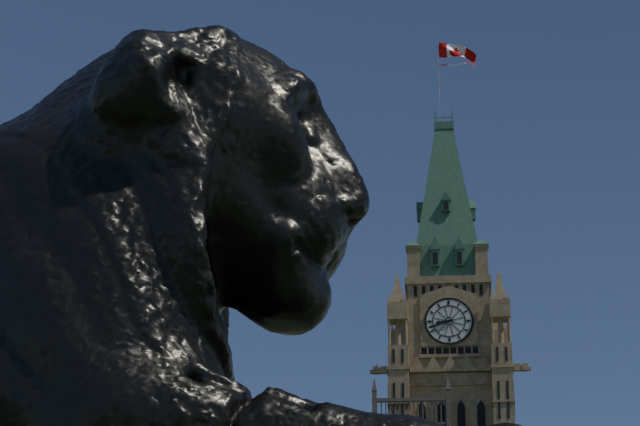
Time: 8h42
